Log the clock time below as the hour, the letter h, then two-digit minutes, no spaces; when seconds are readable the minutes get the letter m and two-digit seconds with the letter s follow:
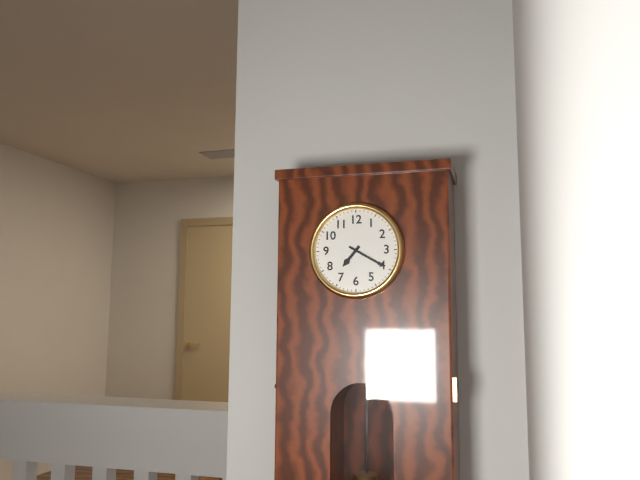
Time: 7h20
